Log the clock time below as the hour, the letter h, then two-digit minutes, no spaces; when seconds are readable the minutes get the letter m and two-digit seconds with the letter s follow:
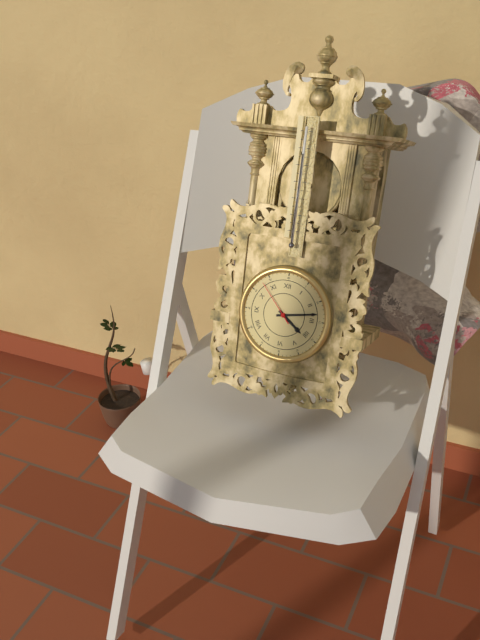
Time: 4h13
